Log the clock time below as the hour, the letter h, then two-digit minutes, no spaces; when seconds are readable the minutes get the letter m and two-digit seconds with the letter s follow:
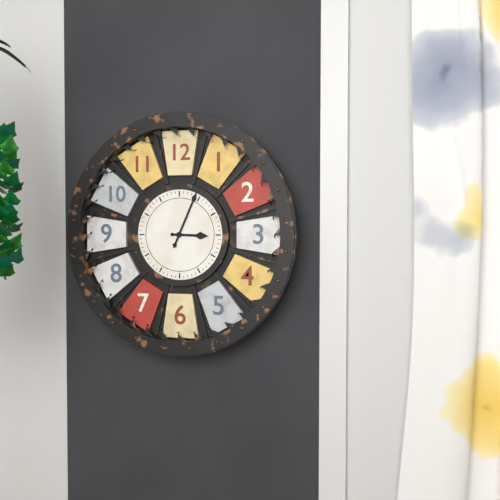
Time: 3h04
